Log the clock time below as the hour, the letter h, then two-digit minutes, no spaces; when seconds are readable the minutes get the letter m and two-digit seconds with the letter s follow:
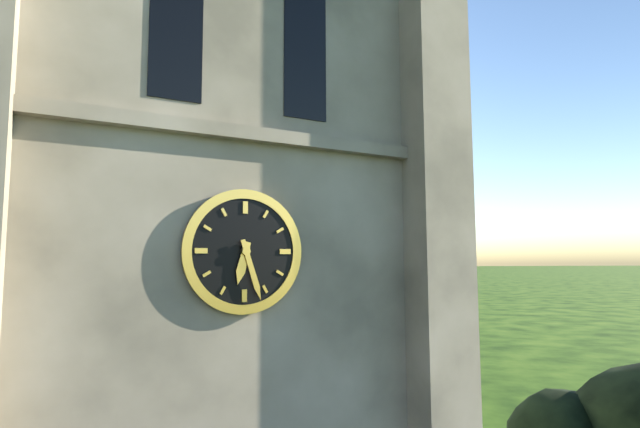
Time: 6h27
